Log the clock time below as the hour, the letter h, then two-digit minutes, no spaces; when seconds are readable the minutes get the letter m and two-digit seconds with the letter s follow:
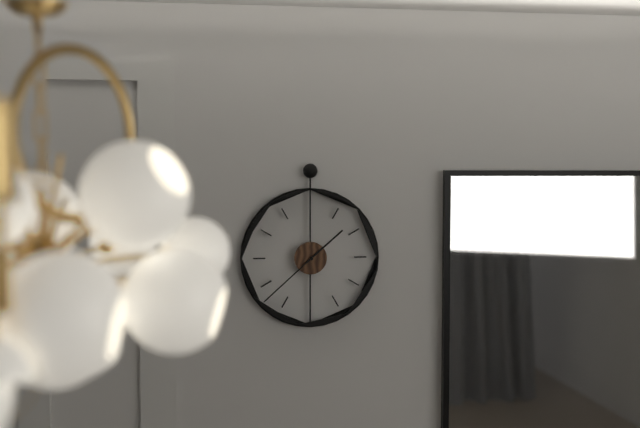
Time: 1h38
